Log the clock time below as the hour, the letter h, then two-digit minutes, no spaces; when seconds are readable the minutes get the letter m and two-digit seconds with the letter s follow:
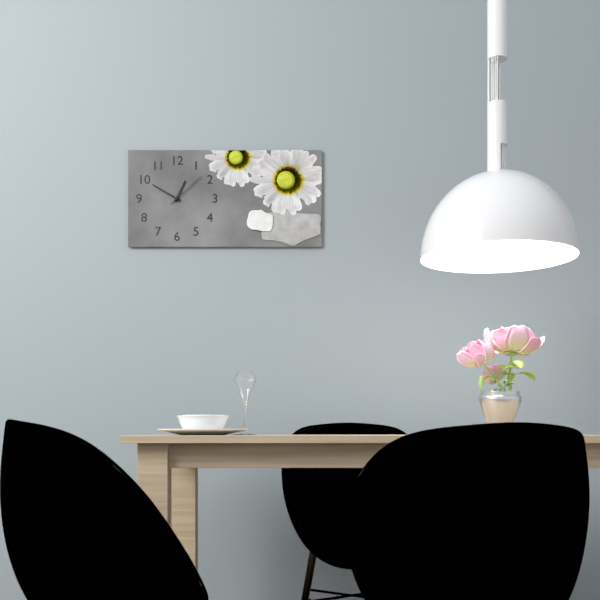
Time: 12h50
